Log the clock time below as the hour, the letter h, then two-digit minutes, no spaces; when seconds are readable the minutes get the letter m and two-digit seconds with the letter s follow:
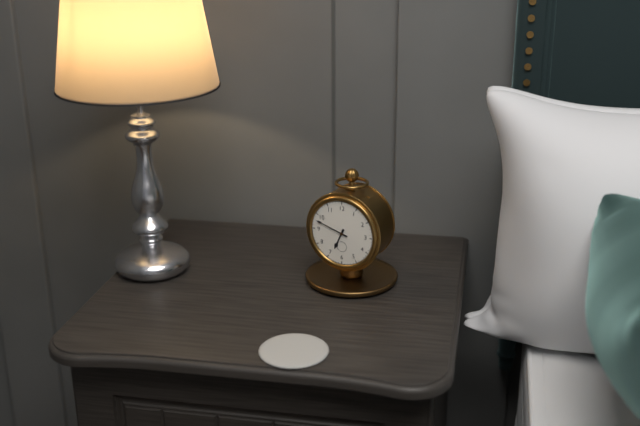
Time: 6h48
